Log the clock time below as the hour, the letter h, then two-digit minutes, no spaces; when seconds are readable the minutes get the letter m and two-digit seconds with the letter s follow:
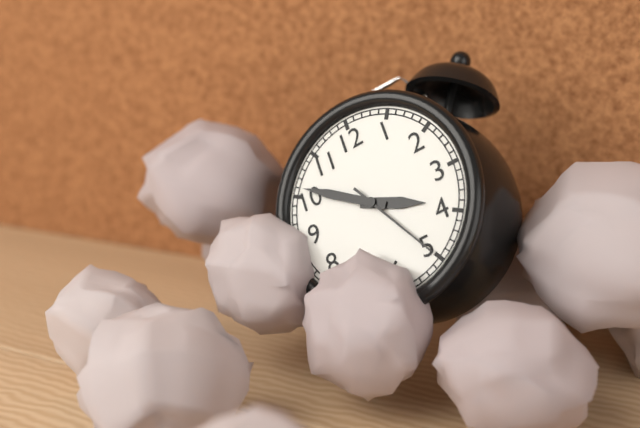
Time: 3h51m25s
